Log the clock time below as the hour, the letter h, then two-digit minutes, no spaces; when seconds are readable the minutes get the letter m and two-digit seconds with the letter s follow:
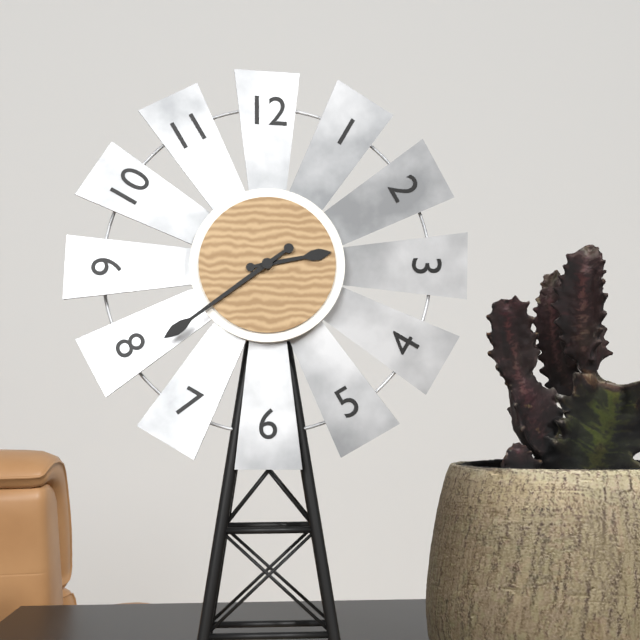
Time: 2h39
